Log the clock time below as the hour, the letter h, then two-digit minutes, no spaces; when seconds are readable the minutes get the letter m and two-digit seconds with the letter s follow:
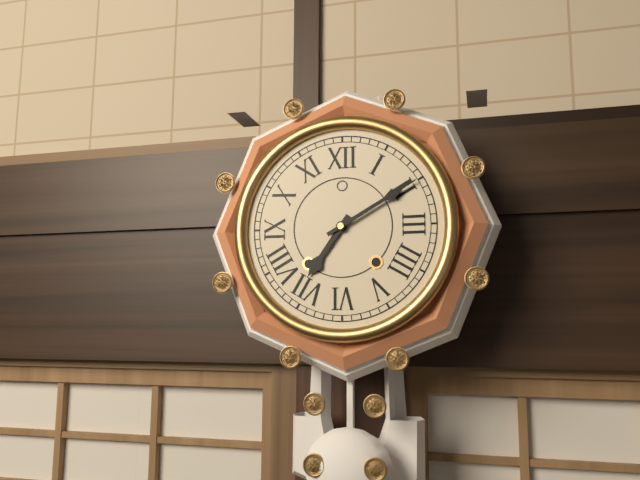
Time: 7h10
